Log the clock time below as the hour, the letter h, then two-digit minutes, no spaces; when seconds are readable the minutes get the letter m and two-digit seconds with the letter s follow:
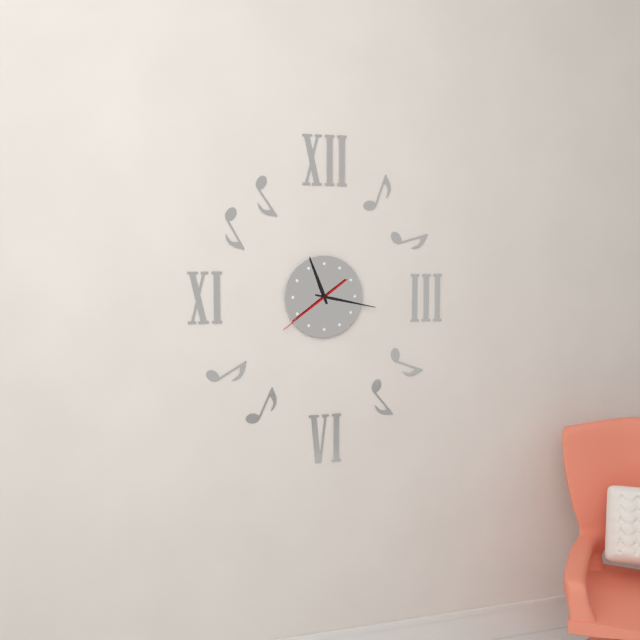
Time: 11h17m39s
